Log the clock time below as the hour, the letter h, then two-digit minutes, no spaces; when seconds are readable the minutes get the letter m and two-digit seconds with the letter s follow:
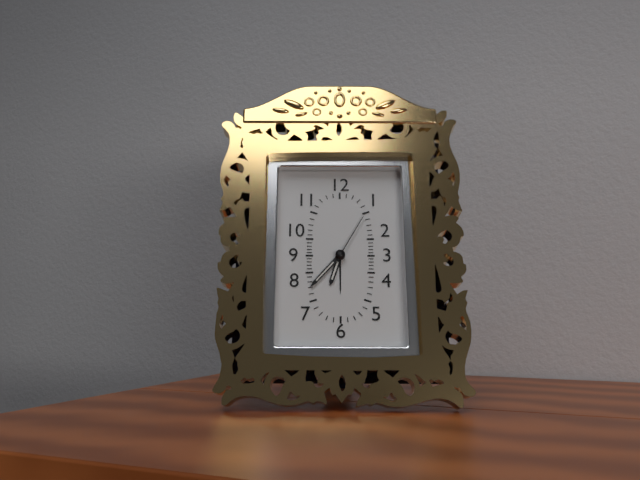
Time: 6h37m05s
